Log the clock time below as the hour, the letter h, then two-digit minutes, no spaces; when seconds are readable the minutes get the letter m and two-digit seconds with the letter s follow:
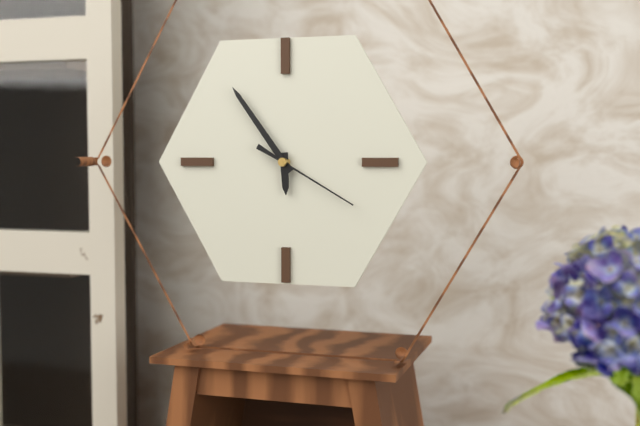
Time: 5h54m20s
